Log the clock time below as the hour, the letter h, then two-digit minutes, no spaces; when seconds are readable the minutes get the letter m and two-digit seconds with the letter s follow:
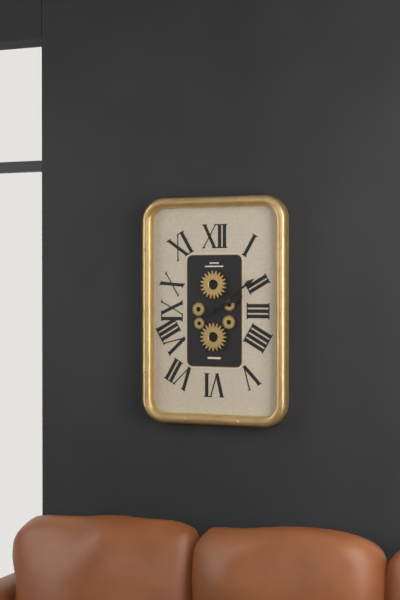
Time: 2h09
